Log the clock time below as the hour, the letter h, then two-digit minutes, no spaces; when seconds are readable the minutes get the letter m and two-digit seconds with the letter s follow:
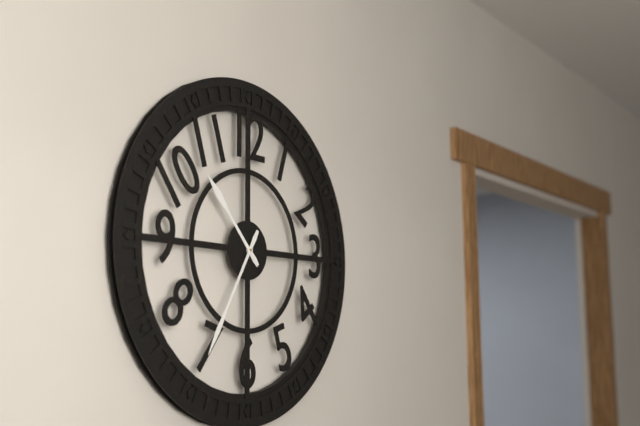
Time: 10h35
